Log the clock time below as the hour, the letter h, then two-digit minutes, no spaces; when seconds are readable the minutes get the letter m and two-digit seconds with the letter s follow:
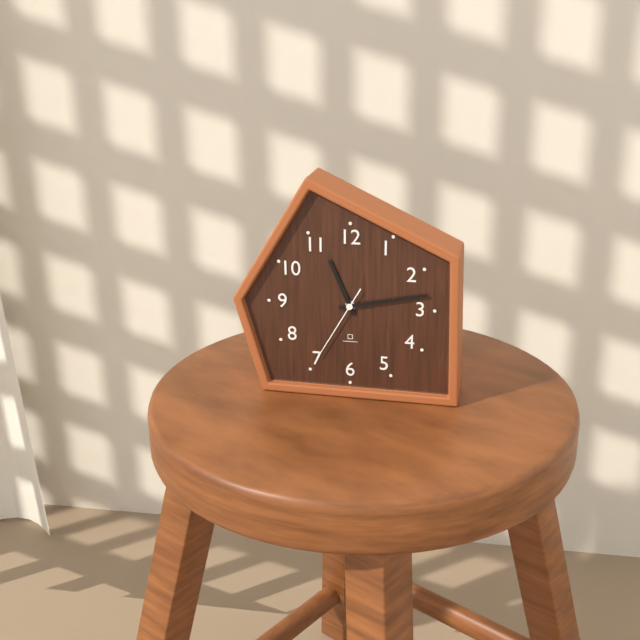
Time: 11h13m35s
